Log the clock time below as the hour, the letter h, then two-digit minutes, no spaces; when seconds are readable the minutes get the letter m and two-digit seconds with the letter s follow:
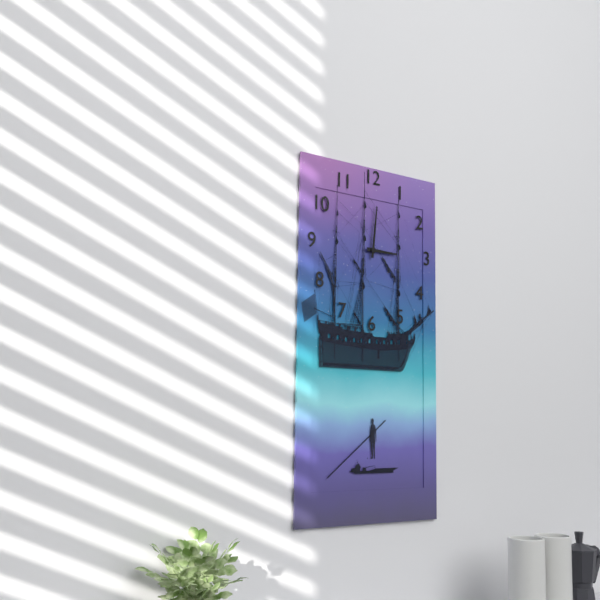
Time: 3h01
